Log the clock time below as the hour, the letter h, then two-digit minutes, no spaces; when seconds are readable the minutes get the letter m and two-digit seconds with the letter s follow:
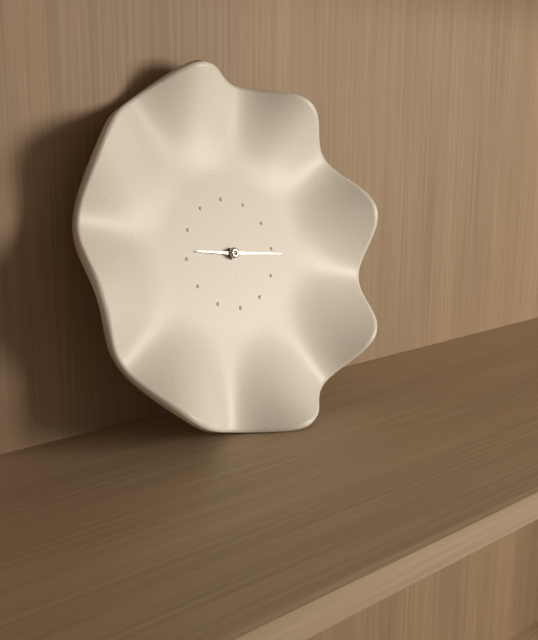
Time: 9h16
